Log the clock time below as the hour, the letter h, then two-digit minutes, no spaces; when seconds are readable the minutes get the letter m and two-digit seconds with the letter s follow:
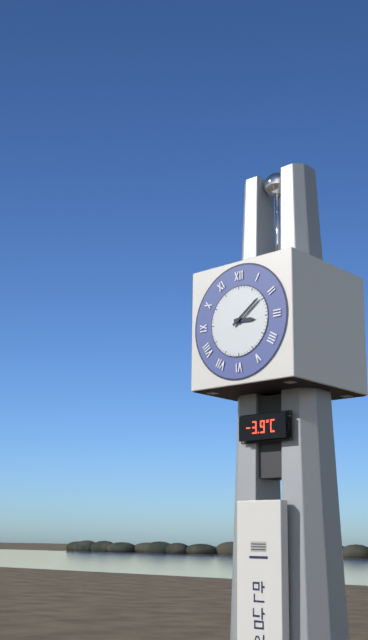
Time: 3h09
